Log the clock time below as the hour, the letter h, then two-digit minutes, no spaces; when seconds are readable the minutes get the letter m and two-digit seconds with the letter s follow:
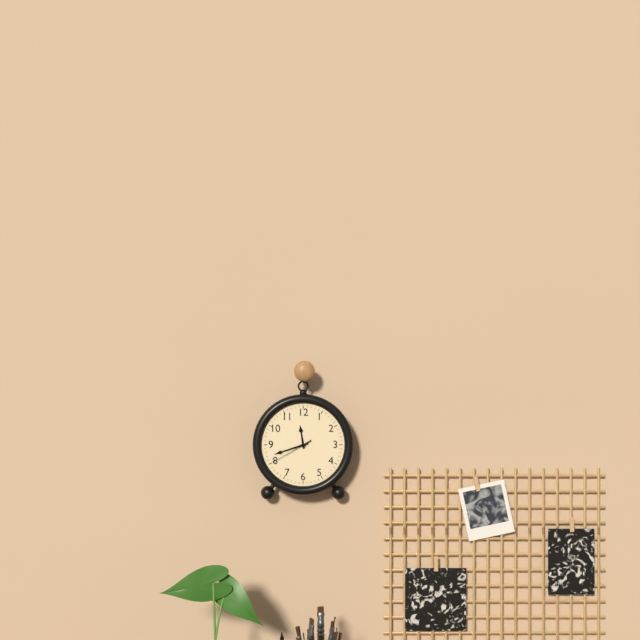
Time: 11h42
